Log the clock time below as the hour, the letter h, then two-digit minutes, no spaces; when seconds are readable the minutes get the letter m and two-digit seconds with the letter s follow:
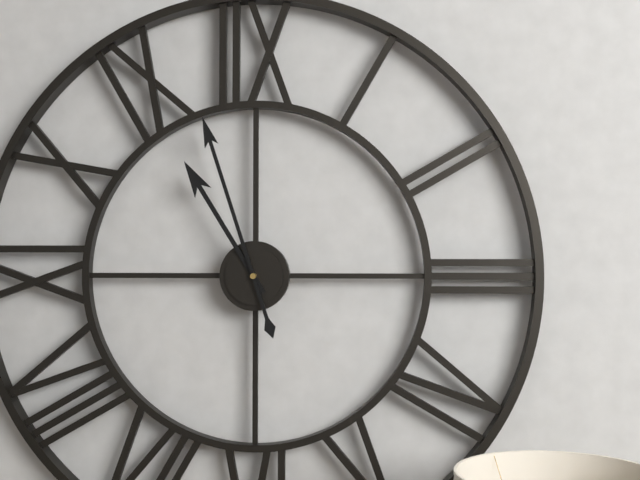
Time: 10h57
